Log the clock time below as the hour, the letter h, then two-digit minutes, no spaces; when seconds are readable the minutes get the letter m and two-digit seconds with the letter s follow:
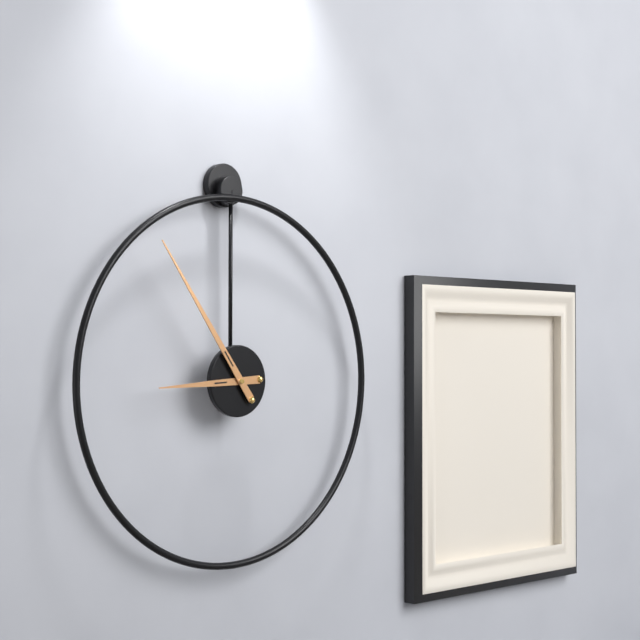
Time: 8h54
